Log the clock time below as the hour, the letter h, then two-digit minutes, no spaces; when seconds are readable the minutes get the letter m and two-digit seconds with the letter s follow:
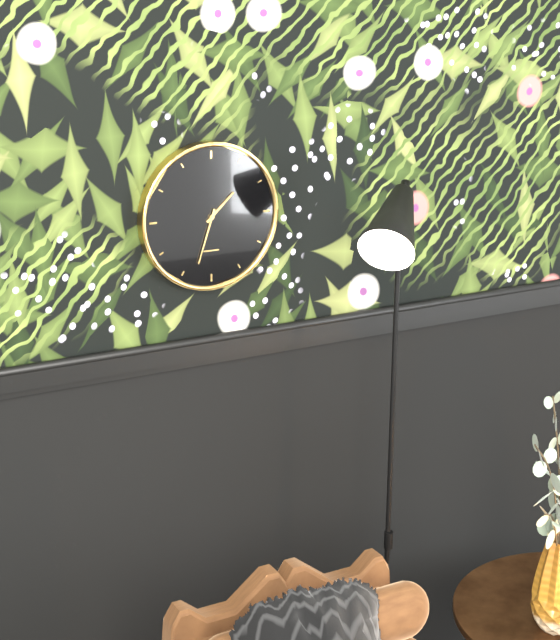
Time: 1h33
